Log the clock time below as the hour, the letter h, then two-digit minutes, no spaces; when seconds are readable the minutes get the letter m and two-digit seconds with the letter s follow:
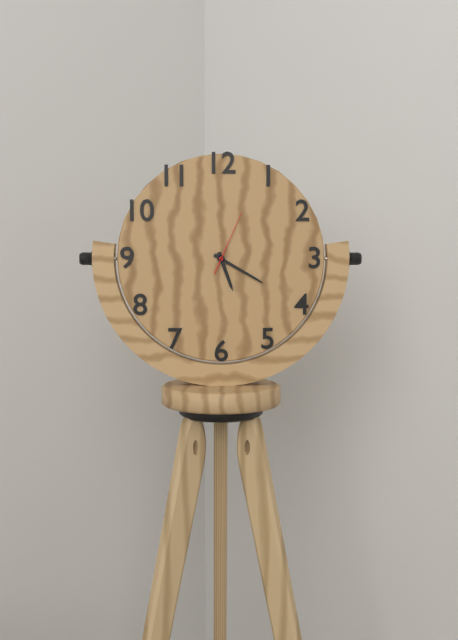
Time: 5h20m04s
